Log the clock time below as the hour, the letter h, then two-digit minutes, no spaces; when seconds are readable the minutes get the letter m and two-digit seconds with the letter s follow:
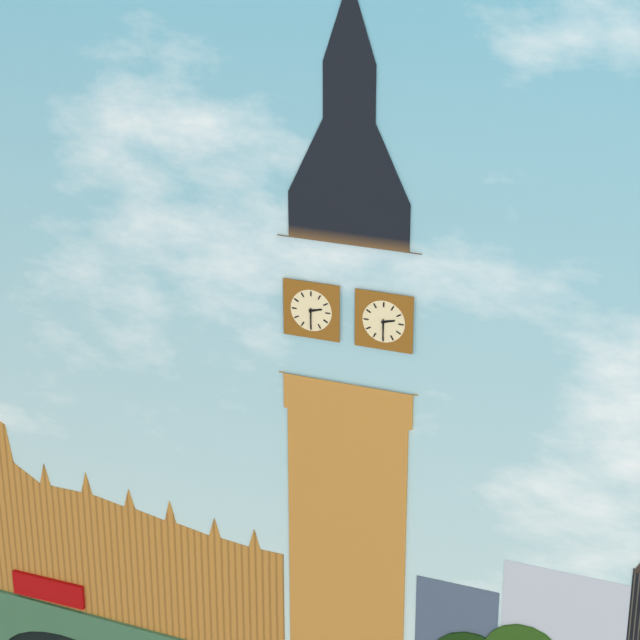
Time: 2h30
